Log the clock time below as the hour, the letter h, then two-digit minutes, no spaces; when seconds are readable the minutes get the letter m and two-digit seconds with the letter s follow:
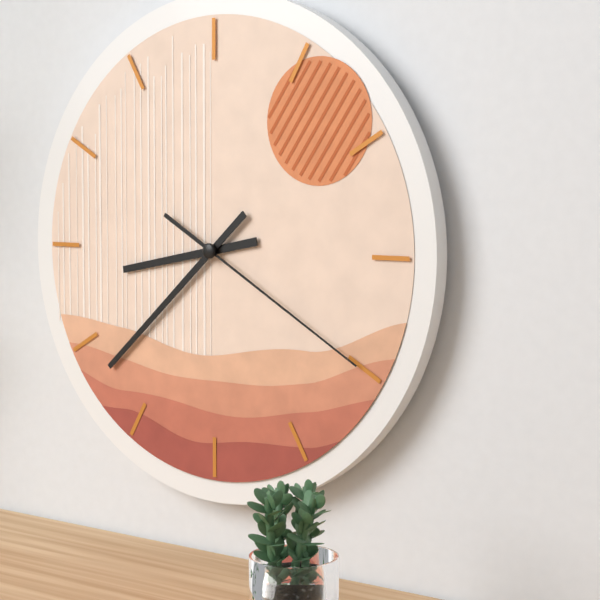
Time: 8h38m20s
